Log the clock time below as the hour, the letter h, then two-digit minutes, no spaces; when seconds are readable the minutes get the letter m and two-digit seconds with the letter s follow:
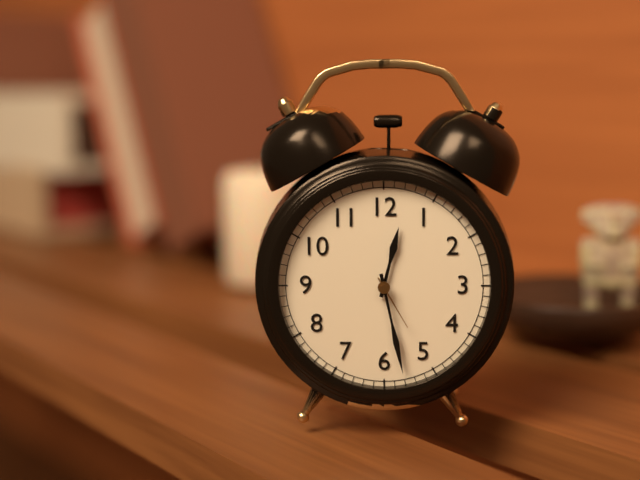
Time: 12h28m25s
